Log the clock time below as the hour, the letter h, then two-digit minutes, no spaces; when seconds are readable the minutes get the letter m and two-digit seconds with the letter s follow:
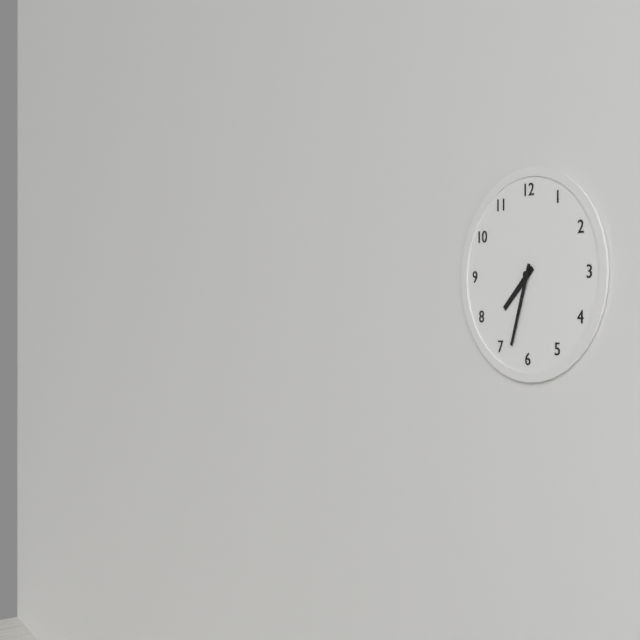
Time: 7h33
